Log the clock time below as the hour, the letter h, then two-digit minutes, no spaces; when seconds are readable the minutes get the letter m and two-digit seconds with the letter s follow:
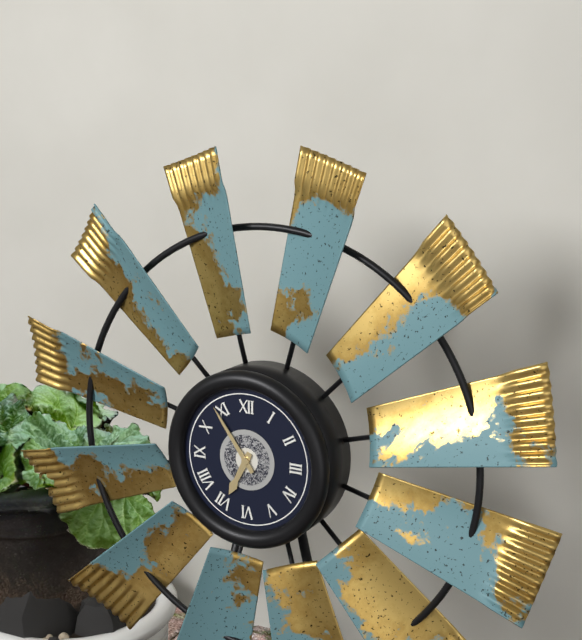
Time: 6h54
